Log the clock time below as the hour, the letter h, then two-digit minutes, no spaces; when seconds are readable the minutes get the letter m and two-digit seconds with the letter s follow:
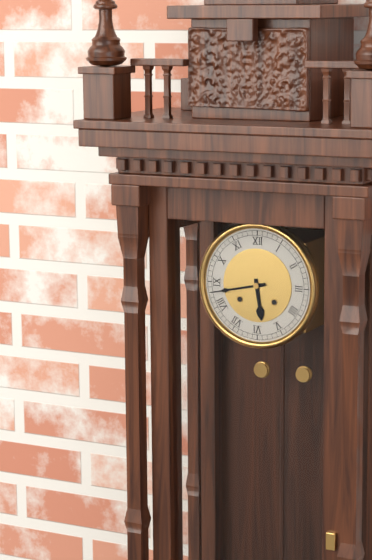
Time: 5h43
